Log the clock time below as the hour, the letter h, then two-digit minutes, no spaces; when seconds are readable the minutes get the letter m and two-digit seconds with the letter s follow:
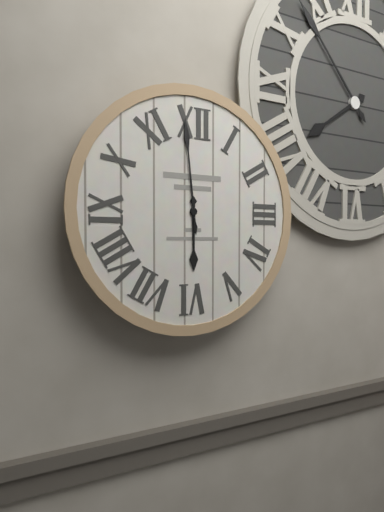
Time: 5h59
